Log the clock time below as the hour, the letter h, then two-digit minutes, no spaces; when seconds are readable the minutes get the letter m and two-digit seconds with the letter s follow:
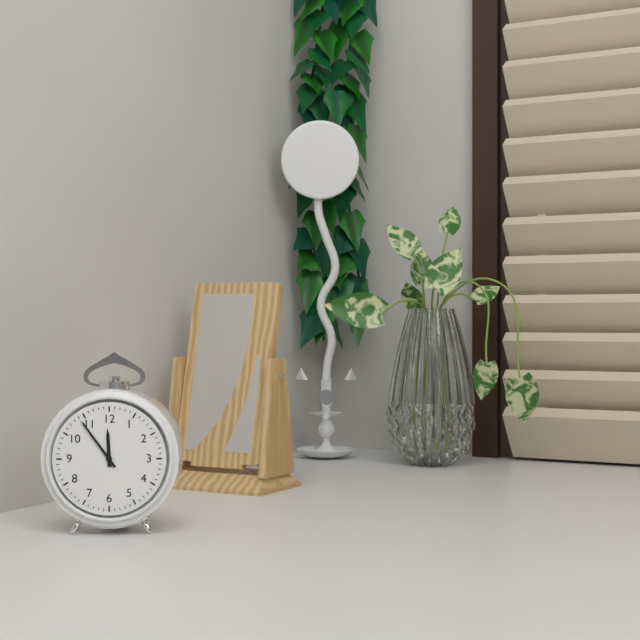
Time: 11h54
